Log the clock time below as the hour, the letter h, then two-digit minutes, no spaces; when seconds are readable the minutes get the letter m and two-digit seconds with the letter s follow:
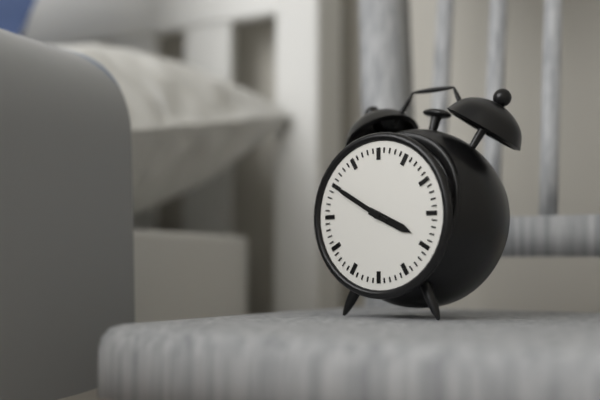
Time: 3h50
